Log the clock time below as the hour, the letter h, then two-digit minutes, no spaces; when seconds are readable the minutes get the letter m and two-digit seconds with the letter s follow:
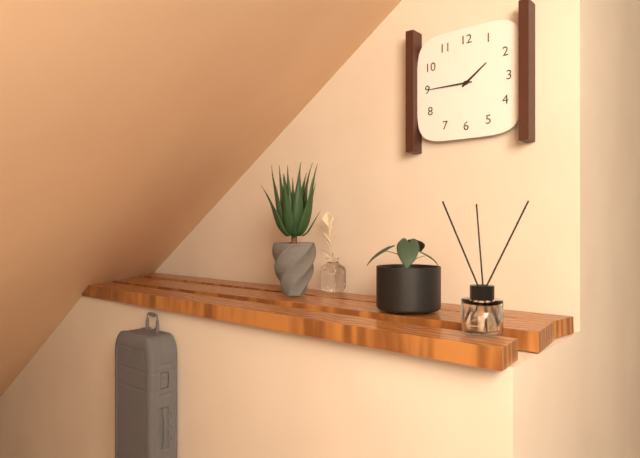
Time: 1h45
